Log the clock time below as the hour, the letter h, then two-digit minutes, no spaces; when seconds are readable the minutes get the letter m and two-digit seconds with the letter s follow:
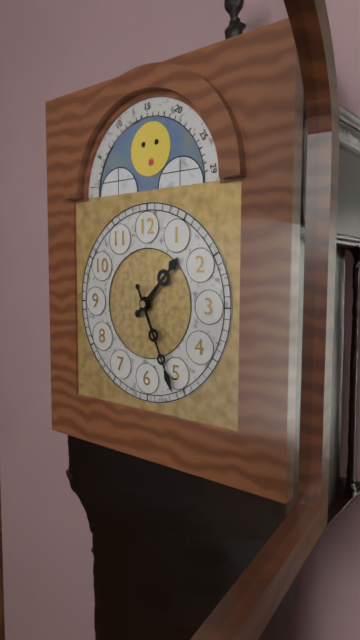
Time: 1h26
